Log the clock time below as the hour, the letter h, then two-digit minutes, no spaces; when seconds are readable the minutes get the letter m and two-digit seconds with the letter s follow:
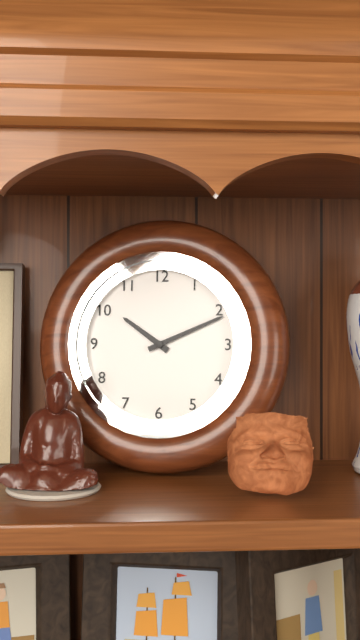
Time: 10h11
